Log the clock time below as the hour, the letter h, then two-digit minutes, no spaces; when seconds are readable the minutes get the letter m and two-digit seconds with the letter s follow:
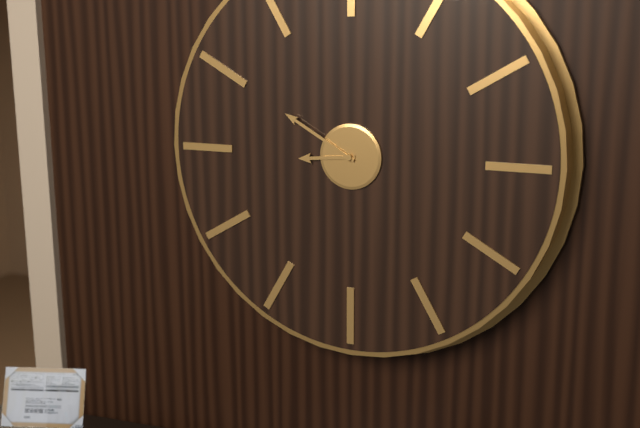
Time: 8h50
